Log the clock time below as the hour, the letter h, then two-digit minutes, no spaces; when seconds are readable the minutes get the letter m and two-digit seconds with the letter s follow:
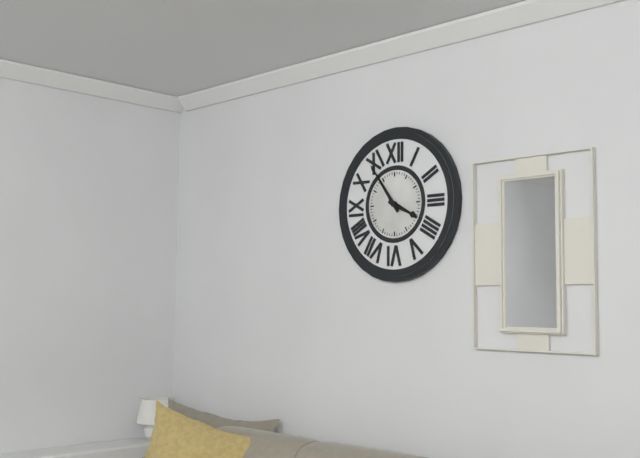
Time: 3h54
